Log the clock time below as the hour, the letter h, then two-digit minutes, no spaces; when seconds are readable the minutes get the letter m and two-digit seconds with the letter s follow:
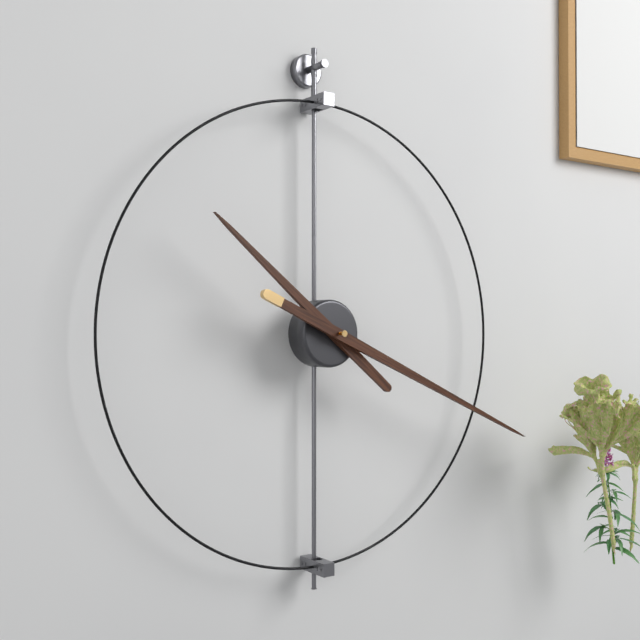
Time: 10h19
